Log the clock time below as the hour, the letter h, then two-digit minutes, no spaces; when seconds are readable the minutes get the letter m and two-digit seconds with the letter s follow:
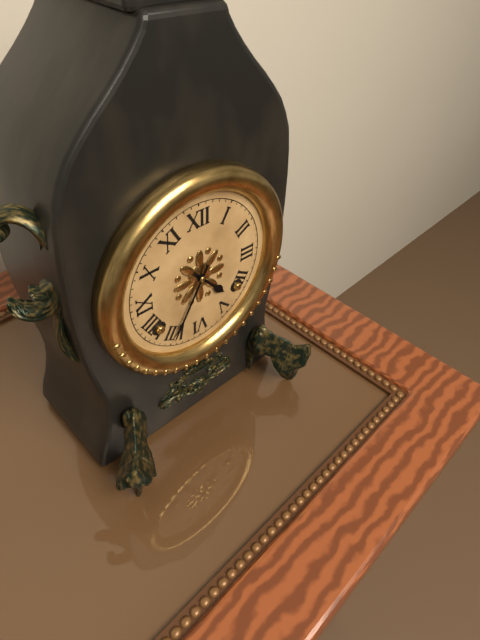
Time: 4h35
